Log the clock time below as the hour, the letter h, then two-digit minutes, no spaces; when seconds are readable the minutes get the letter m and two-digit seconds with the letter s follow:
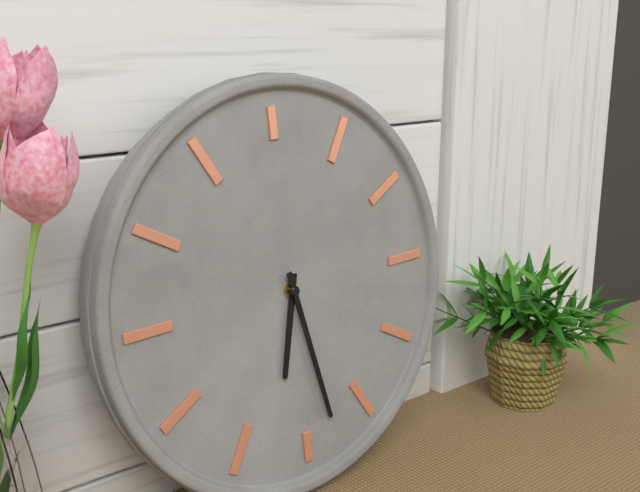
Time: 6h28
